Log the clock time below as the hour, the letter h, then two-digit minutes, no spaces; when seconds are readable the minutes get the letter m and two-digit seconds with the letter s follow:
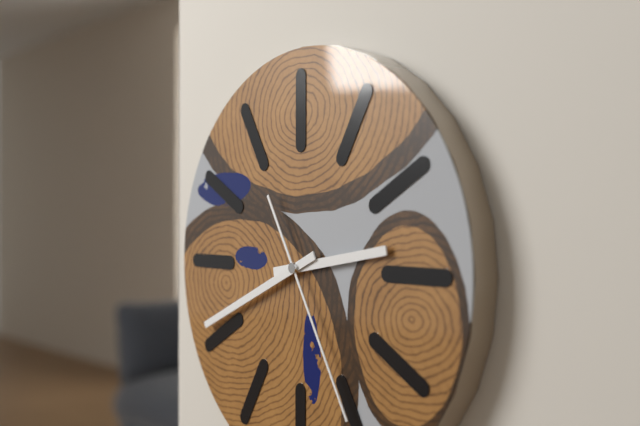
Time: 2h41m25s
